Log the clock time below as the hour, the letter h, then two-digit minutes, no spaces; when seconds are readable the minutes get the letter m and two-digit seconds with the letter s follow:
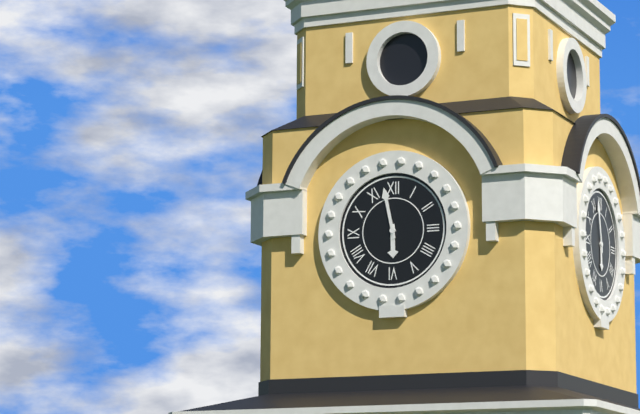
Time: 5h58
